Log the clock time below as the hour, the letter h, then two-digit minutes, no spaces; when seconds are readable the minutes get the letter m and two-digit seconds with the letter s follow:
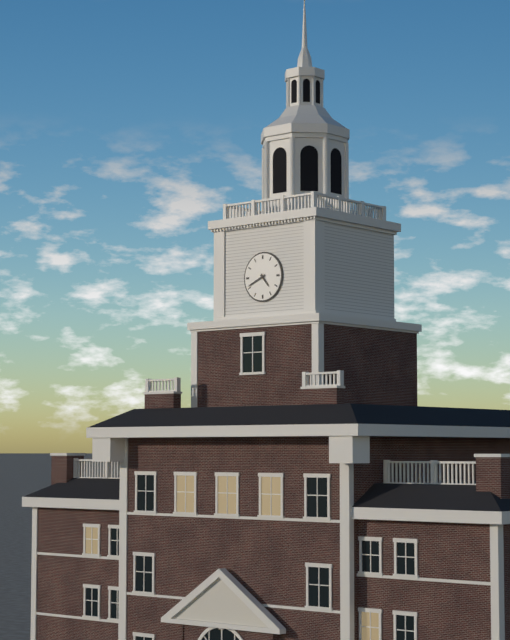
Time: 4h41
